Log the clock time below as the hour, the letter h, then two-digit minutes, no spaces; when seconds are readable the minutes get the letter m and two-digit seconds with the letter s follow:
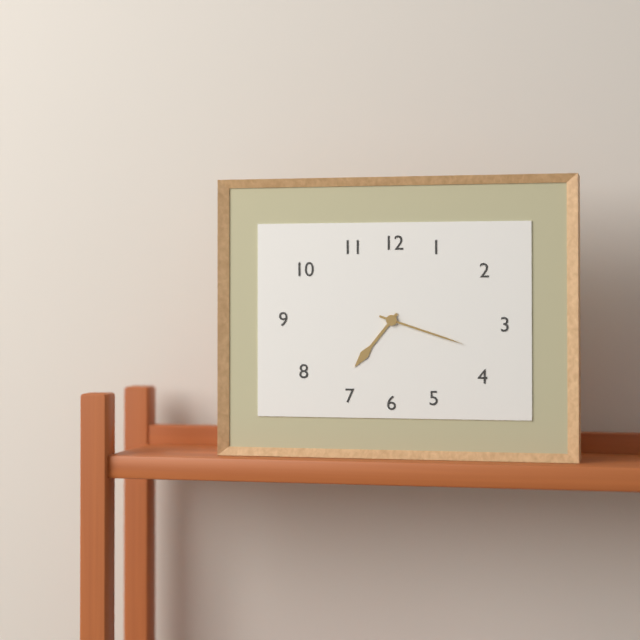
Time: 7h18
